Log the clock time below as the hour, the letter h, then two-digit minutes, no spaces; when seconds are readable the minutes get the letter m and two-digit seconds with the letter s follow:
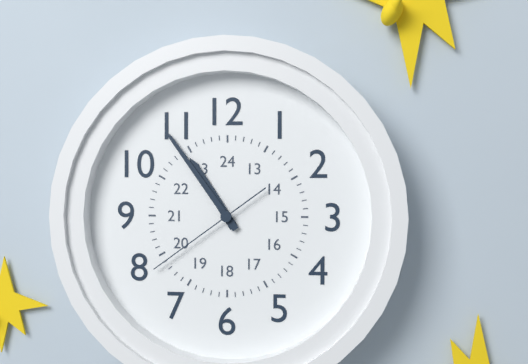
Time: 10h54m39s
